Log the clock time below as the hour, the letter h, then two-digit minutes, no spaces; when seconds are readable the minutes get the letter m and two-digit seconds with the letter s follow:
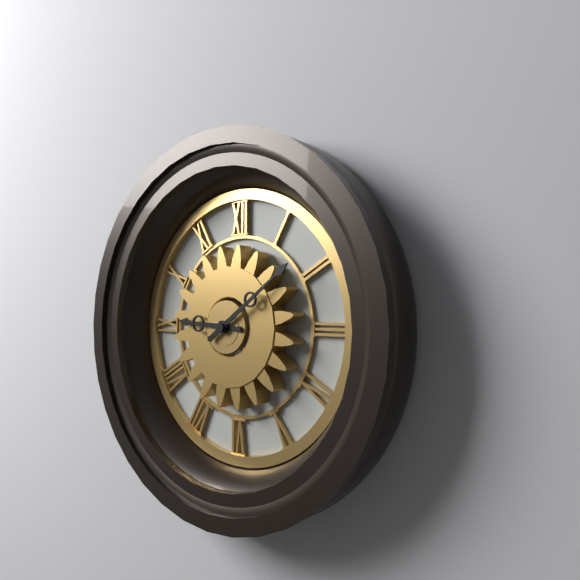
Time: 9h09
